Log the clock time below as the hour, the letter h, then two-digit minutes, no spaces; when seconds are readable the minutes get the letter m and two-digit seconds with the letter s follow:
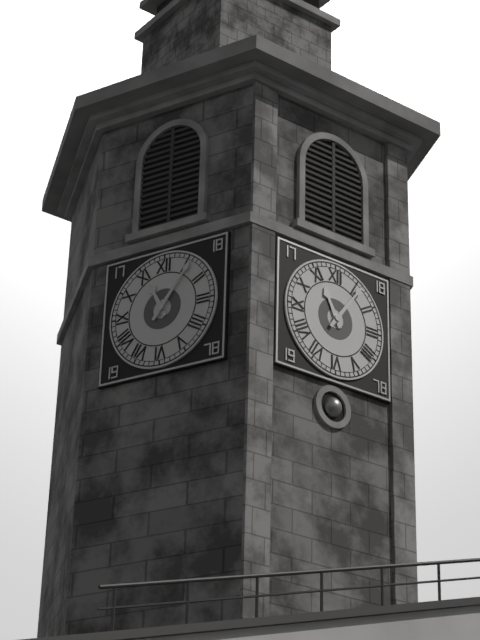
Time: 11h06
